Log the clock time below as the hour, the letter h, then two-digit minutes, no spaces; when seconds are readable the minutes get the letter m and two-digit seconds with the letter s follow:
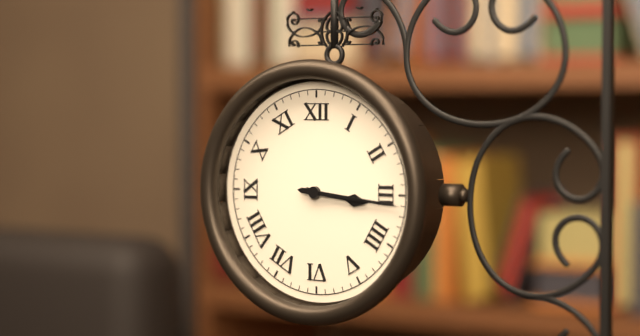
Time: 3h16
